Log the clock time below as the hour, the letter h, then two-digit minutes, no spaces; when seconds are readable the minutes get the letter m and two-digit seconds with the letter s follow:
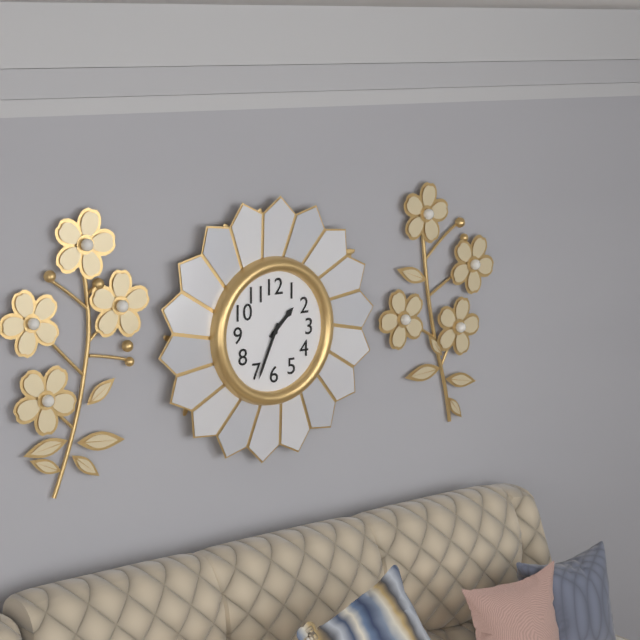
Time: 1h34
